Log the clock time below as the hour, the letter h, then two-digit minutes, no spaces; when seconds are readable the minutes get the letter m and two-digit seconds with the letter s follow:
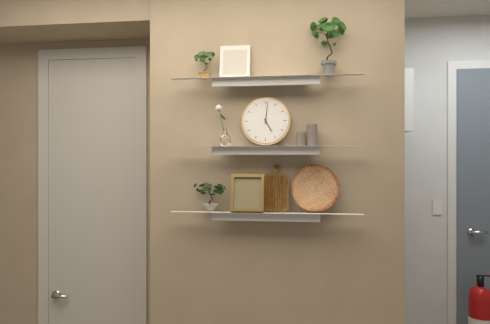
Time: 5h01
